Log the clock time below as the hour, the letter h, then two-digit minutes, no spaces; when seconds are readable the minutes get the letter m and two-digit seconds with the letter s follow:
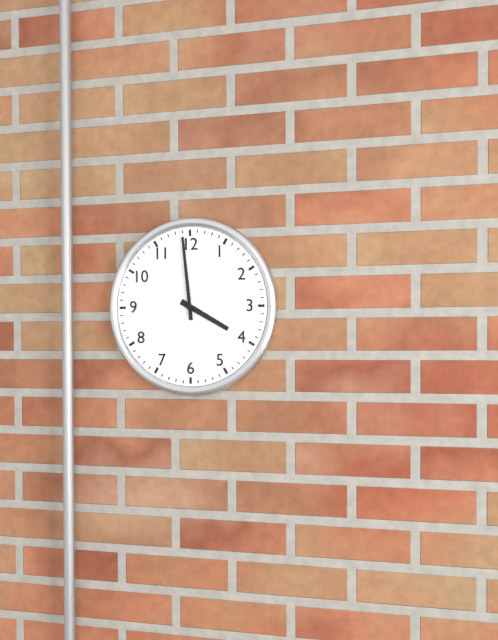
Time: 3h59
